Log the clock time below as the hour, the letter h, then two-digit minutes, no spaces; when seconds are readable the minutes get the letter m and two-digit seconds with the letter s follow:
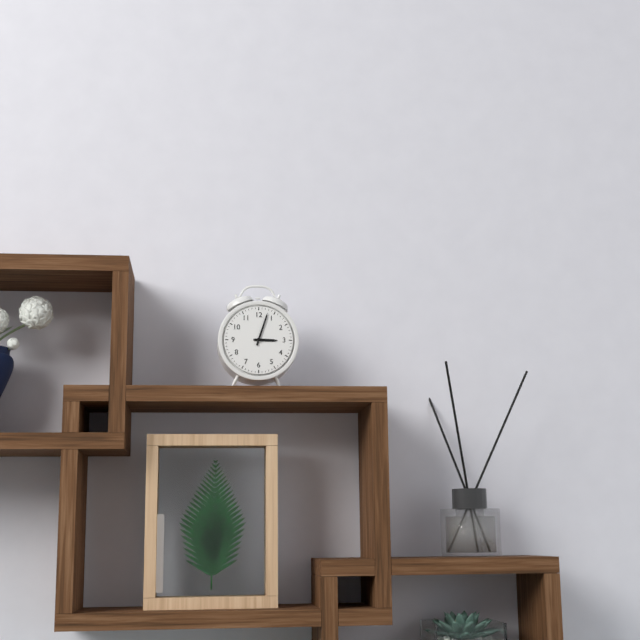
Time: 3h03
